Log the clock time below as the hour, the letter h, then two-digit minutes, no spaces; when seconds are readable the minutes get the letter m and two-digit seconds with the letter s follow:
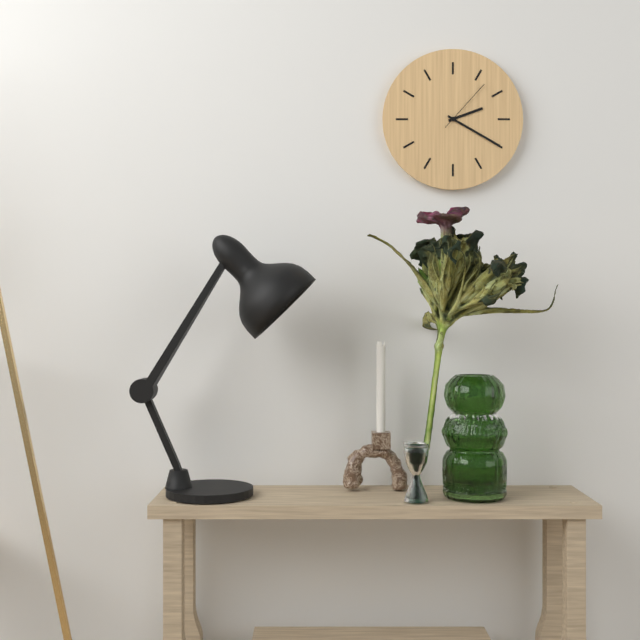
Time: 2h20m07s
